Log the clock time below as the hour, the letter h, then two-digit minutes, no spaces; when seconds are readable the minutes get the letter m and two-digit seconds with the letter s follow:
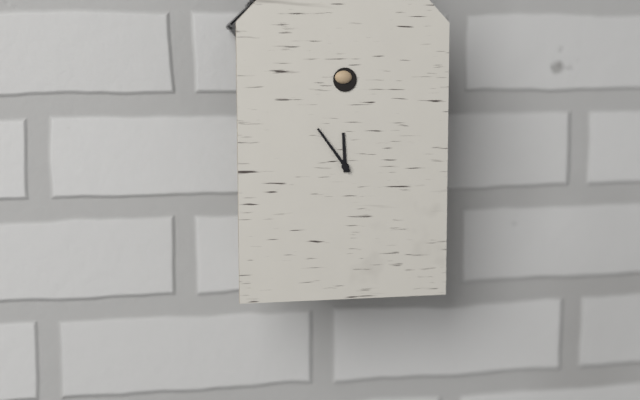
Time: 11h54
